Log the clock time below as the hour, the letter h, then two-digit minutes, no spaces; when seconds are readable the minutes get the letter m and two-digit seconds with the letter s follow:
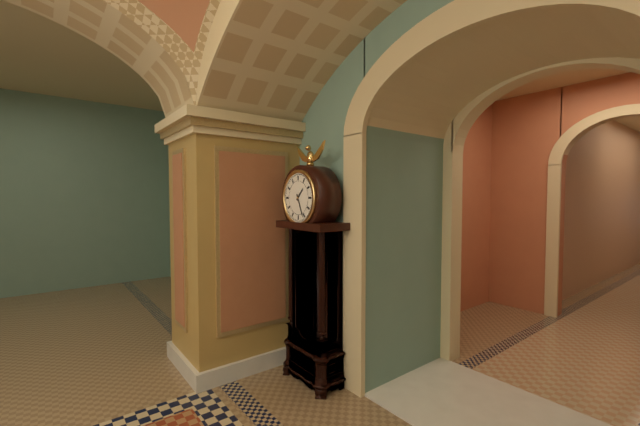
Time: 1h26
